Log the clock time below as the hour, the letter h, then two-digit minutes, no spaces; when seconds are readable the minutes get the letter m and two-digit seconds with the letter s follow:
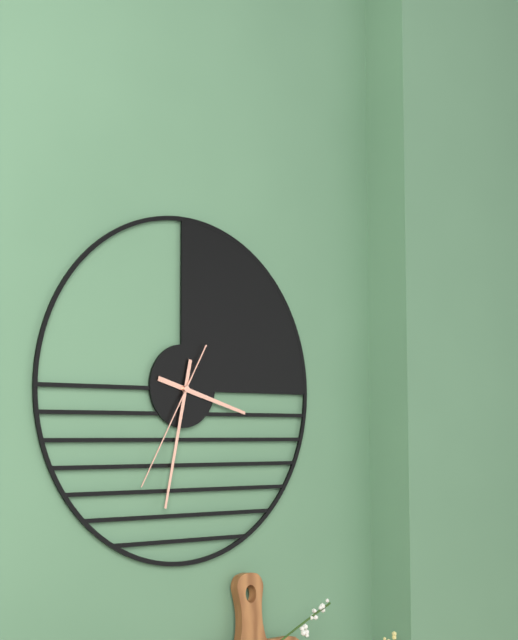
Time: 3h32m35s
